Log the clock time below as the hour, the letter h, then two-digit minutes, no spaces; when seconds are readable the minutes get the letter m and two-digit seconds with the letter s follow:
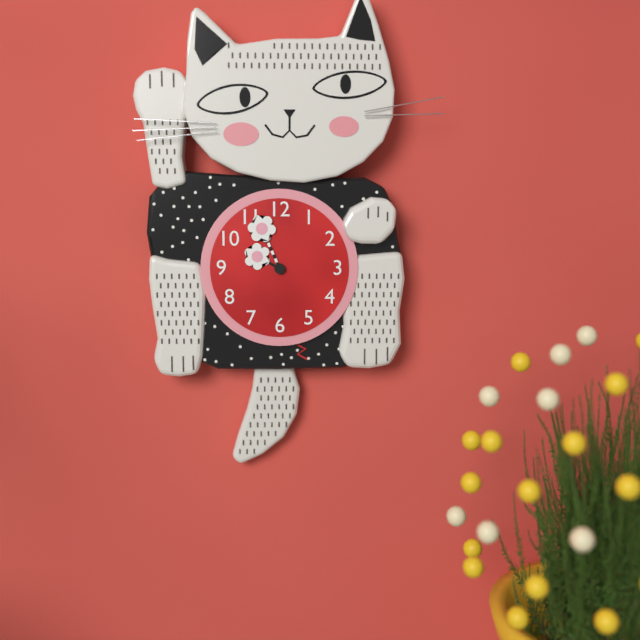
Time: 9h56
